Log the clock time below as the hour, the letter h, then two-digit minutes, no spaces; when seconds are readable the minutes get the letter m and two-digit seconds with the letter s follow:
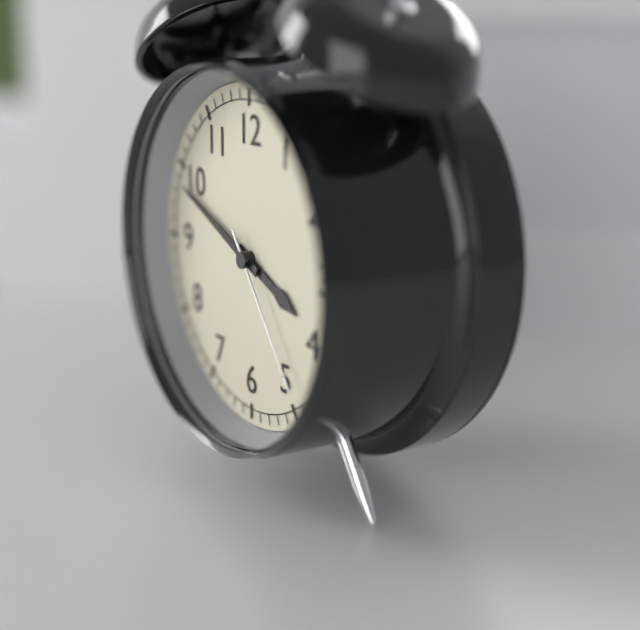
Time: 3h49m24s
